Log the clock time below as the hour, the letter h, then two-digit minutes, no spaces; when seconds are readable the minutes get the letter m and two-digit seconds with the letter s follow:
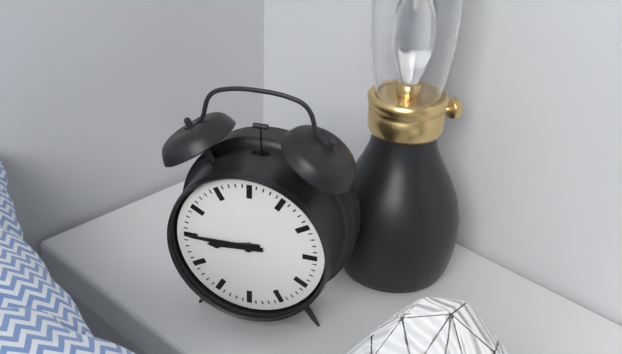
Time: 8h45
